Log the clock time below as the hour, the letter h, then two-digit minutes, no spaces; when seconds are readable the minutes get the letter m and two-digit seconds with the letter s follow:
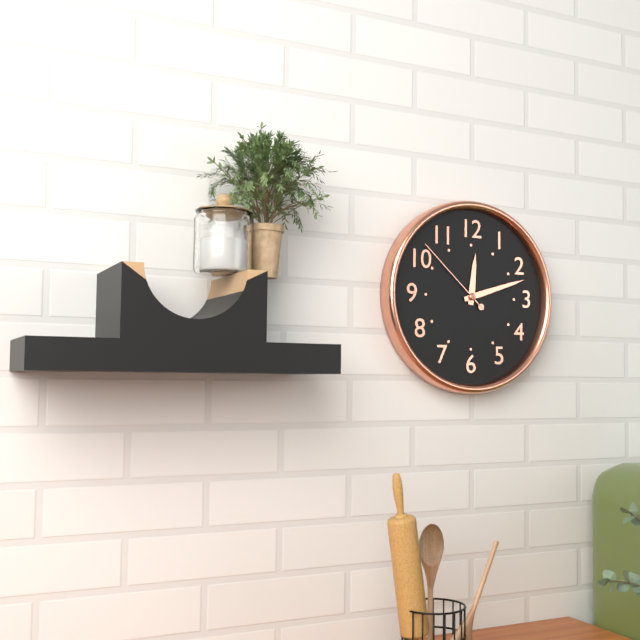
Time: 12h12m52s
